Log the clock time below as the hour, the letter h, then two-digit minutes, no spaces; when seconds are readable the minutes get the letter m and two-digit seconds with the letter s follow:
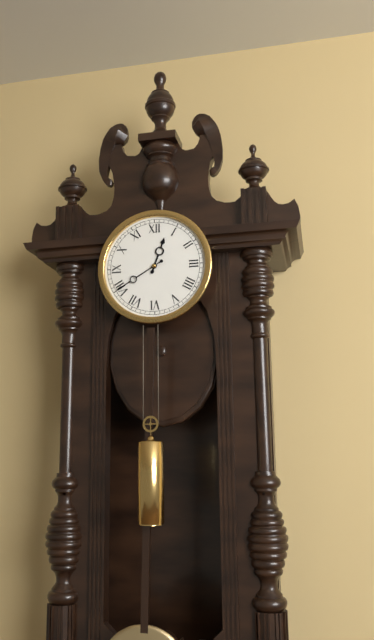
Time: 12h40
